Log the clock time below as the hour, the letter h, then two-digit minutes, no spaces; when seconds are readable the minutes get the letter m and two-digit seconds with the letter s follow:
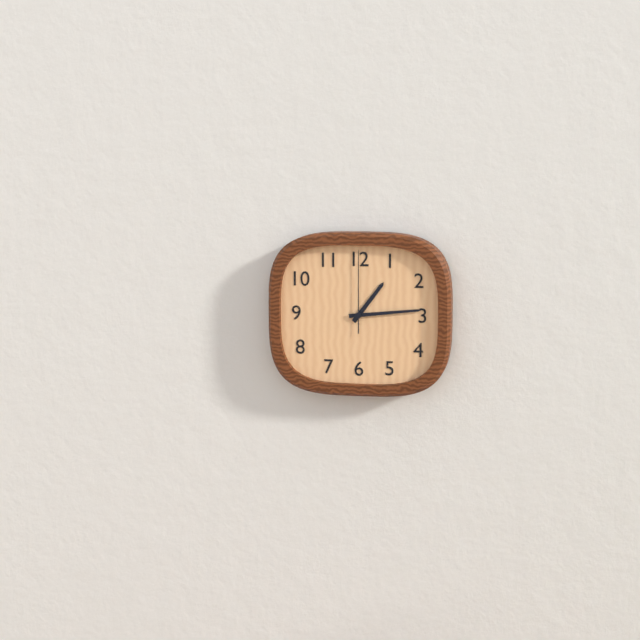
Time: 1h14m00s
